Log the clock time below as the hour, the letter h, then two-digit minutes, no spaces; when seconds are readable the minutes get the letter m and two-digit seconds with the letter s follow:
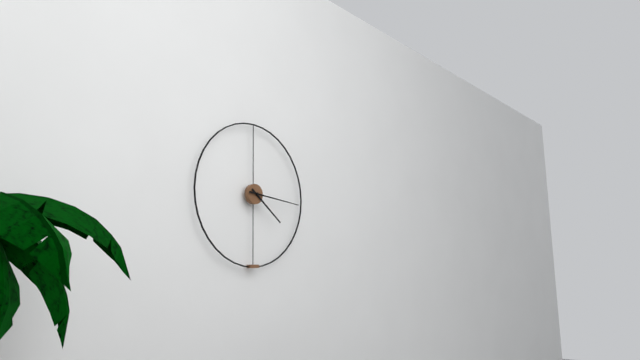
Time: 4h16
